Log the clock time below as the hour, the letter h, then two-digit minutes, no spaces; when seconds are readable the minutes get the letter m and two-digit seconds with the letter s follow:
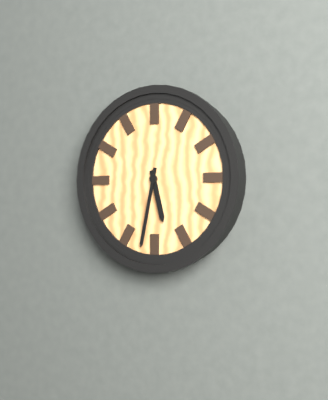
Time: 5h32
